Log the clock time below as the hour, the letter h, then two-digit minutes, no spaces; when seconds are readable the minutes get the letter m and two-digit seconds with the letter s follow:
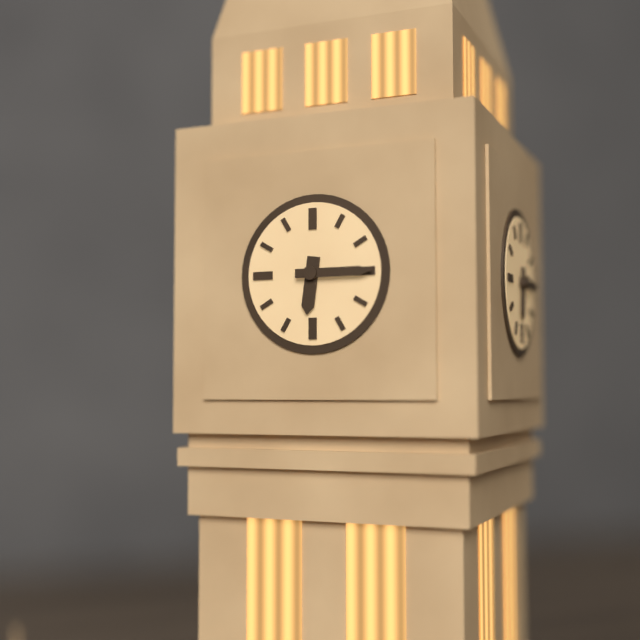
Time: 6h15
